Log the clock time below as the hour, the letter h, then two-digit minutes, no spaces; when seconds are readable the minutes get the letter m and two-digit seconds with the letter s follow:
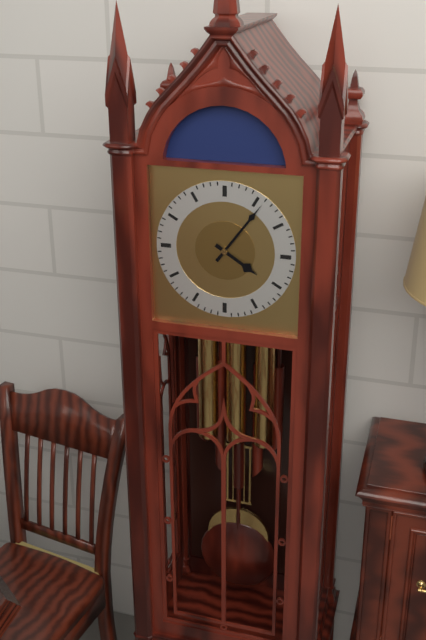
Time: 4h06
